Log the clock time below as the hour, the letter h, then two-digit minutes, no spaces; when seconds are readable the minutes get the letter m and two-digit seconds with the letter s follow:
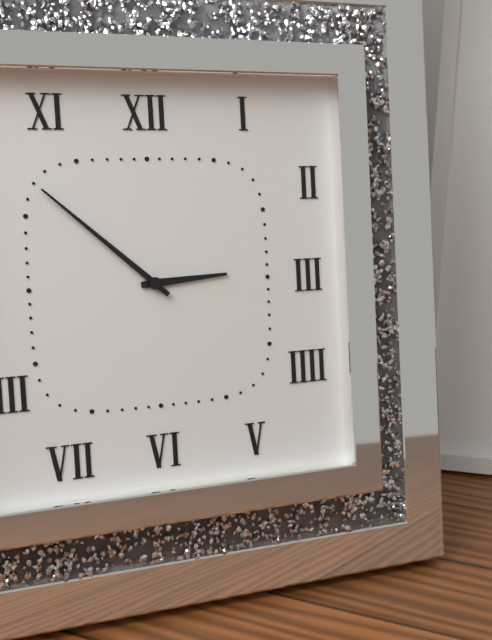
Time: 2h52
